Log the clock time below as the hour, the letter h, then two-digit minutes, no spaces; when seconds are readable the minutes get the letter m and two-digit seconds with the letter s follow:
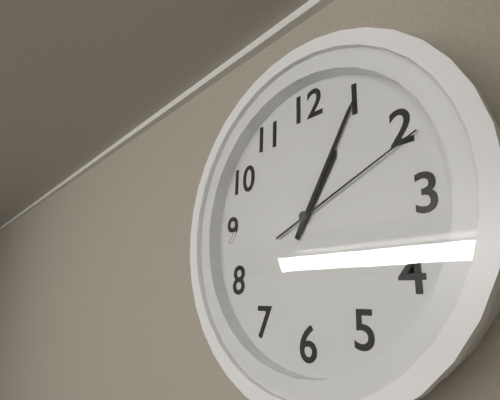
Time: 1h05m11s
